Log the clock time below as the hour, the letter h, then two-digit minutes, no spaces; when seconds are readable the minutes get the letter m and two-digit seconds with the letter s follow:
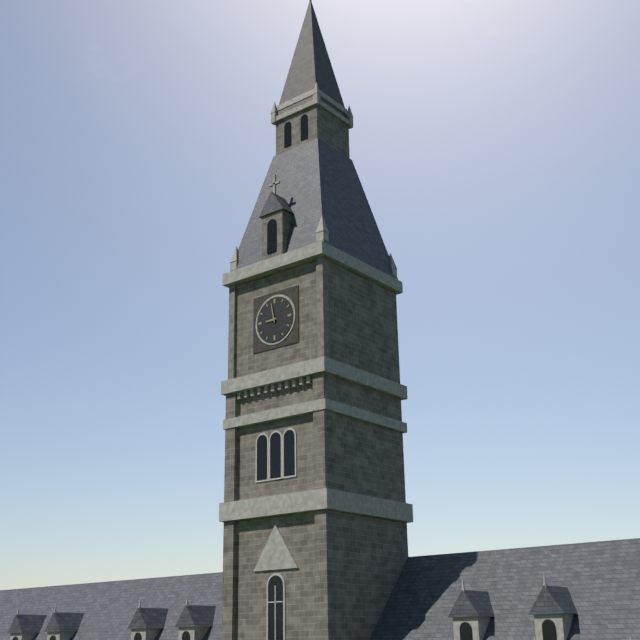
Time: 8h58
